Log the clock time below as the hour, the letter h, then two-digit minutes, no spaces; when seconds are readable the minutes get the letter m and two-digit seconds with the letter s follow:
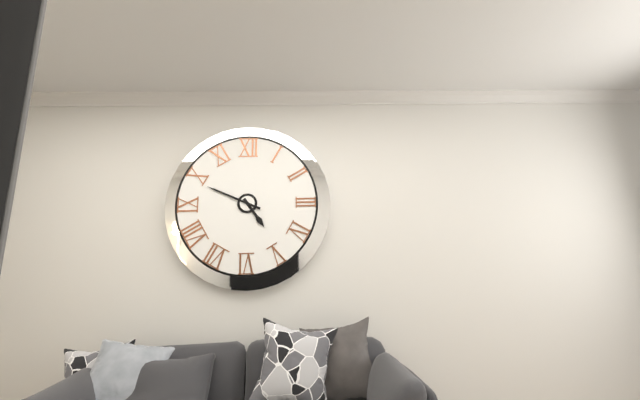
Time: 4h49
